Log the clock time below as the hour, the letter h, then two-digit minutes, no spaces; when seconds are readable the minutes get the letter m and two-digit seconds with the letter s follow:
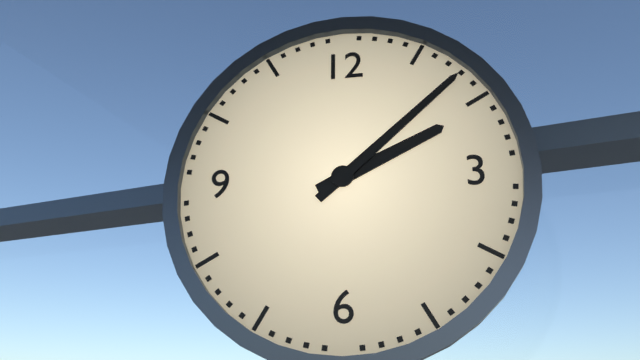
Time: 2h08
